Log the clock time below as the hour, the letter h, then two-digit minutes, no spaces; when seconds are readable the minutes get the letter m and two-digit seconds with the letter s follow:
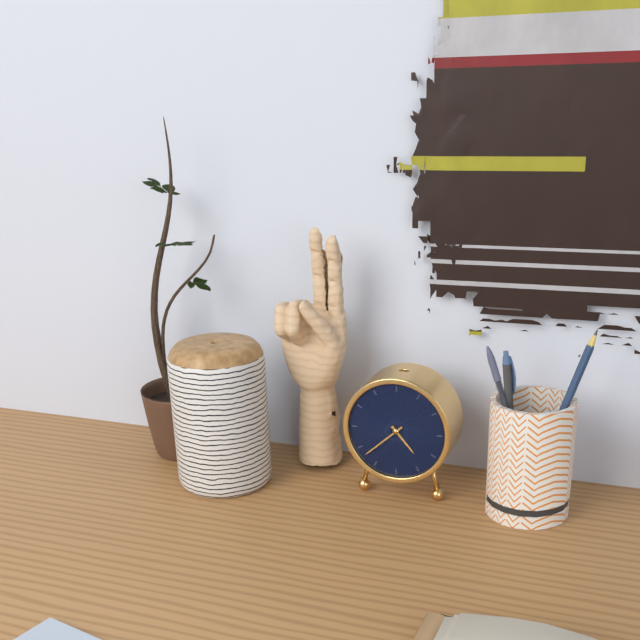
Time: 4h38
